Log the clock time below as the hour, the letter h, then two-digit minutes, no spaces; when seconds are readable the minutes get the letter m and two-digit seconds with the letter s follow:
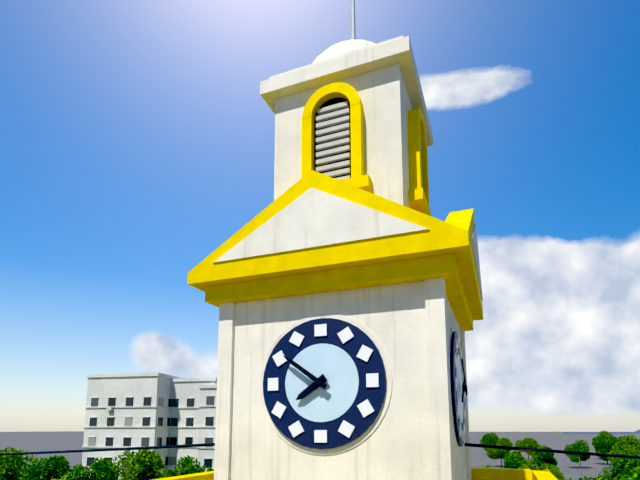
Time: 7h51
